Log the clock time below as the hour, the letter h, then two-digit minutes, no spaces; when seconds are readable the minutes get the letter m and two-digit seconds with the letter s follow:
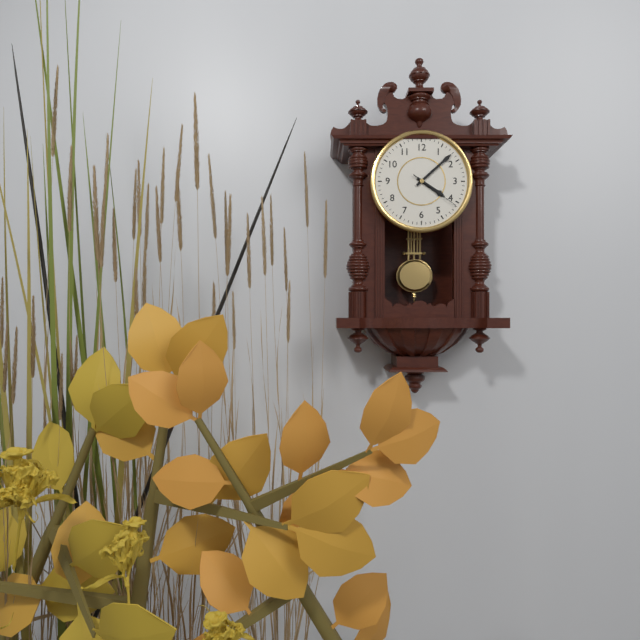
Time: 4h08m21s
